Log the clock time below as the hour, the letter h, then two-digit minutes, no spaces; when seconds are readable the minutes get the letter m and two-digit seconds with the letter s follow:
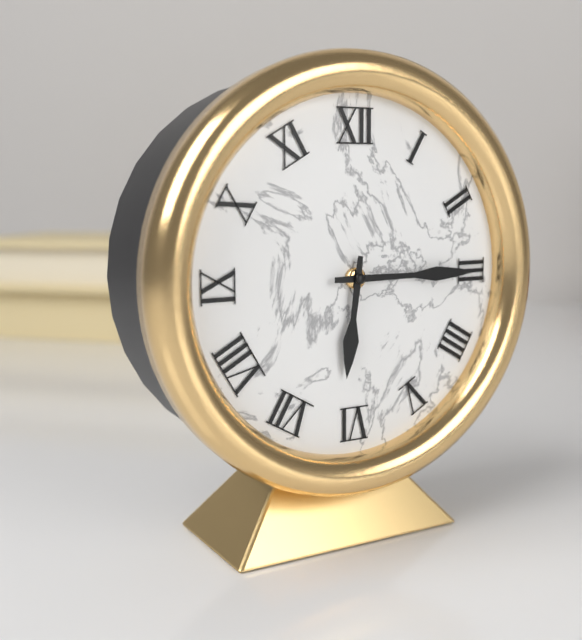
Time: 6h15
